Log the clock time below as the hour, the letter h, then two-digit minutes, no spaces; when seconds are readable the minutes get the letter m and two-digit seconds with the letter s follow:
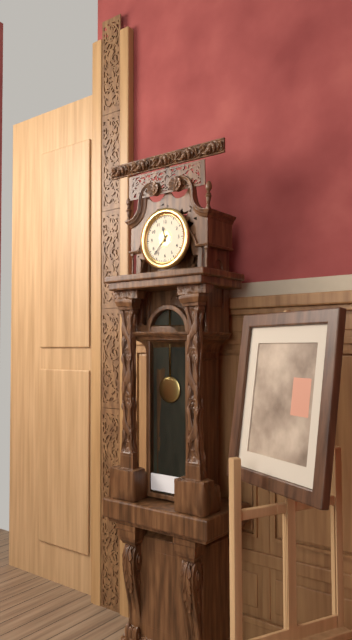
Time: 11h37
